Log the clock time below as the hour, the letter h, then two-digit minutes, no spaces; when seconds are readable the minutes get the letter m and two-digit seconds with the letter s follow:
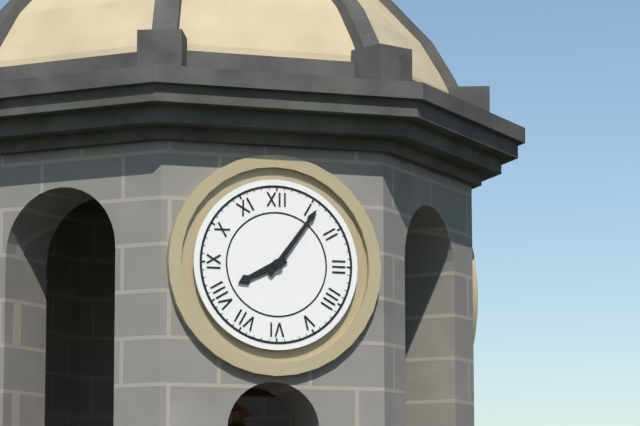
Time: 8h06
